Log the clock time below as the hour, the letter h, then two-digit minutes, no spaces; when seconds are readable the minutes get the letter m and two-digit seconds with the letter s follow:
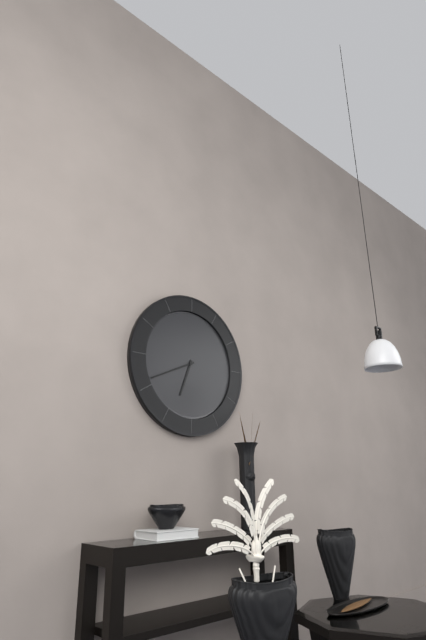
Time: 6h41
